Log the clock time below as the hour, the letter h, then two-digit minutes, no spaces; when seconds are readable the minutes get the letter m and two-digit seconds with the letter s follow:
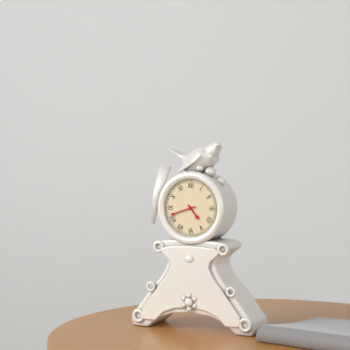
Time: 4h42
